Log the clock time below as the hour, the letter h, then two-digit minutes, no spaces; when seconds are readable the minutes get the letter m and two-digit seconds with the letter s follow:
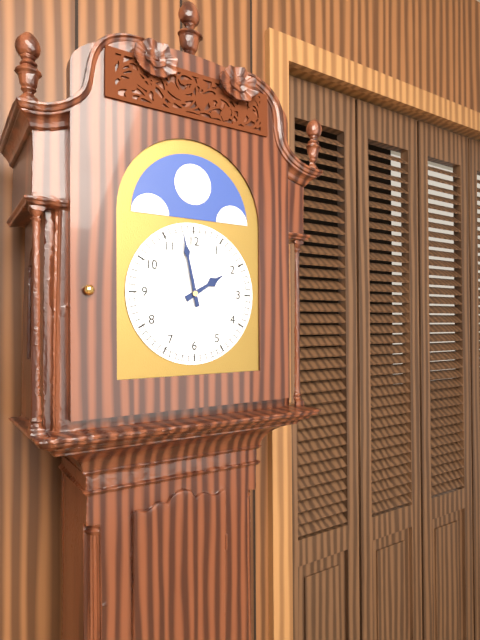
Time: 1h58
